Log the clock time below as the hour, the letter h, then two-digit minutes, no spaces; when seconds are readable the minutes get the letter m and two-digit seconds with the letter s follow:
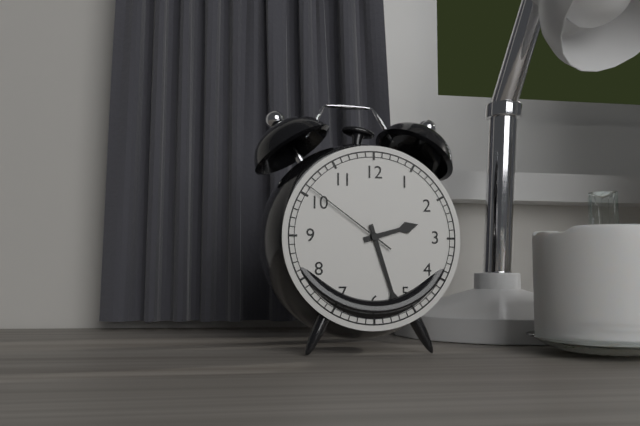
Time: 2h27m51s
